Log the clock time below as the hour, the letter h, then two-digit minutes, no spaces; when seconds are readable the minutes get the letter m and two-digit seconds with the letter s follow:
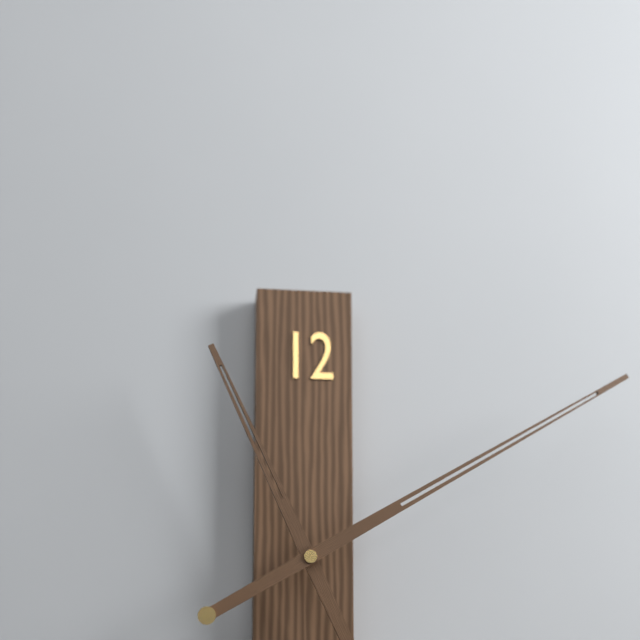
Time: 11h10
